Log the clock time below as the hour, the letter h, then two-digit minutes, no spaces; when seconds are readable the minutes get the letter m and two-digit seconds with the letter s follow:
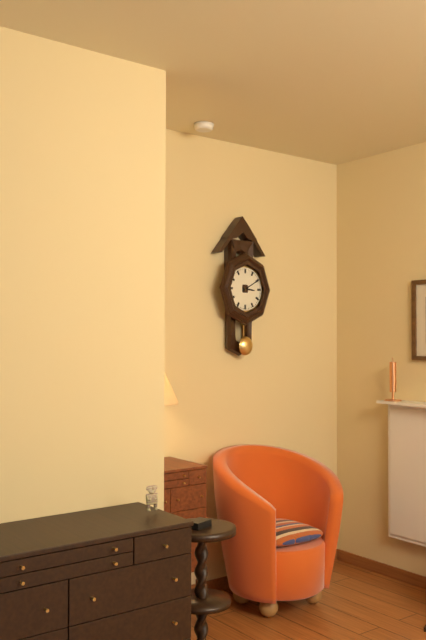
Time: 3h10
